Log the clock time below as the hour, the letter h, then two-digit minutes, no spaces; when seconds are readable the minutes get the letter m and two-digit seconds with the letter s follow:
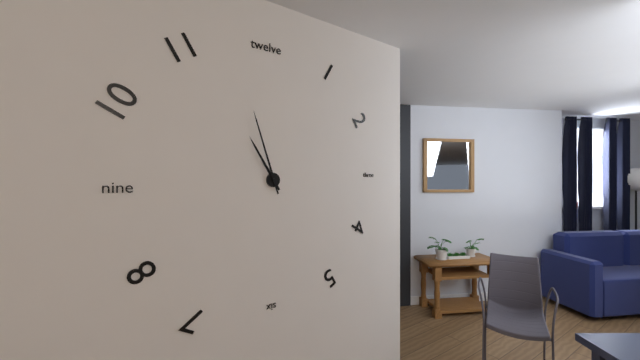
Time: 10h57
